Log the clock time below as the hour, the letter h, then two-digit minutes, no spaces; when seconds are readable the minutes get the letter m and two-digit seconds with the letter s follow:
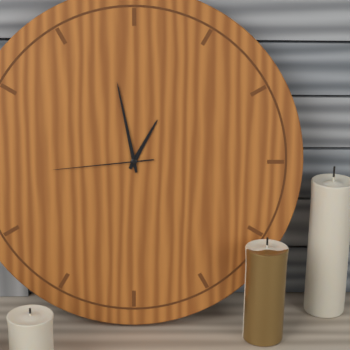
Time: 12h58m44s
